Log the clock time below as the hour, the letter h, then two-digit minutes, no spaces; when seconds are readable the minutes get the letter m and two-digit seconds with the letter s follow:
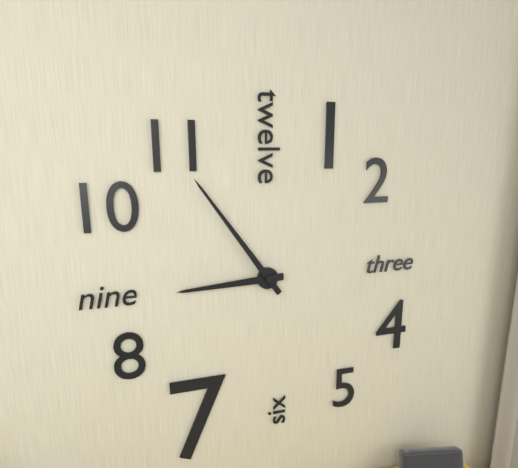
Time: 8h54
